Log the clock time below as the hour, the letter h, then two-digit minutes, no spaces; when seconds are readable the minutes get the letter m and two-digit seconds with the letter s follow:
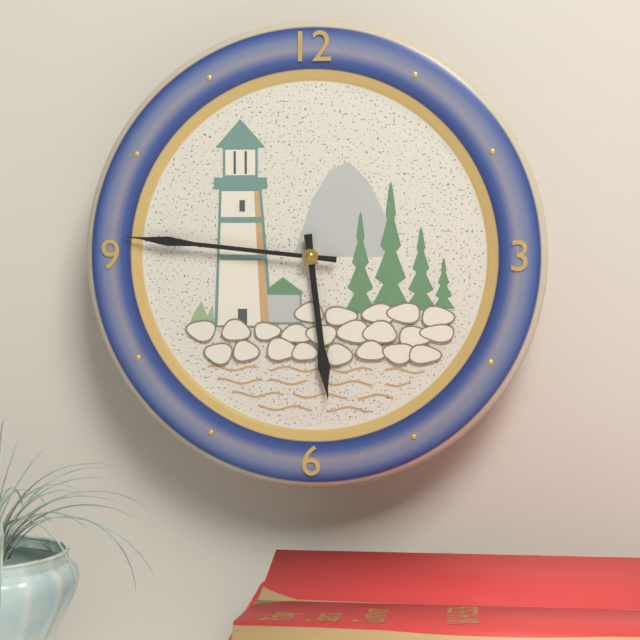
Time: 5h46
